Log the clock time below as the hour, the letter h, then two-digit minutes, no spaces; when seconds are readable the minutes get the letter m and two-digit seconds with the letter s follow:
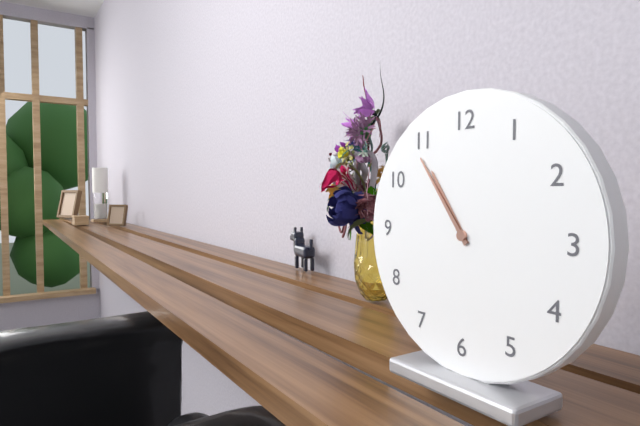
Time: 10h54
